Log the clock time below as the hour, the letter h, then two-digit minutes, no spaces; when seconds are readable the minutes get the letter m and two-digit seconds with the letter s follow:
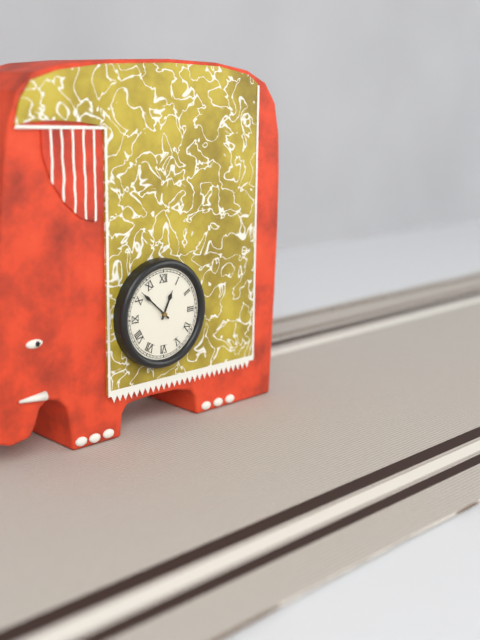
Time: 12h52
